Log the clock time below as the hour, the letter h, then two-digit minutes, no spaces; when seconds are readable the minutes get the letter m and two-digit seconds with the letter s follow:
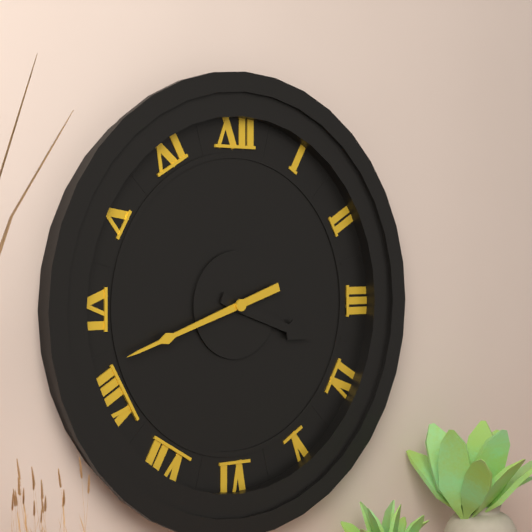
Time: 3h42
